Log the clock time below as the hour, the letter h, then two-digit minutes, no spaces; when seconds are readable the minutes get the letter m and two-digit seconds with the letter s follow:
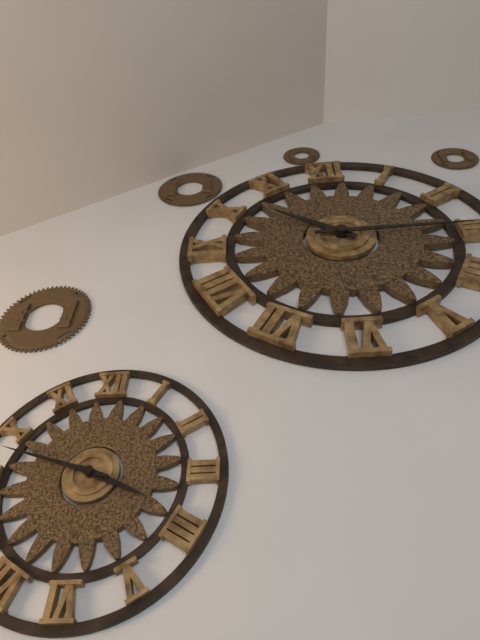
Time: 10h15
